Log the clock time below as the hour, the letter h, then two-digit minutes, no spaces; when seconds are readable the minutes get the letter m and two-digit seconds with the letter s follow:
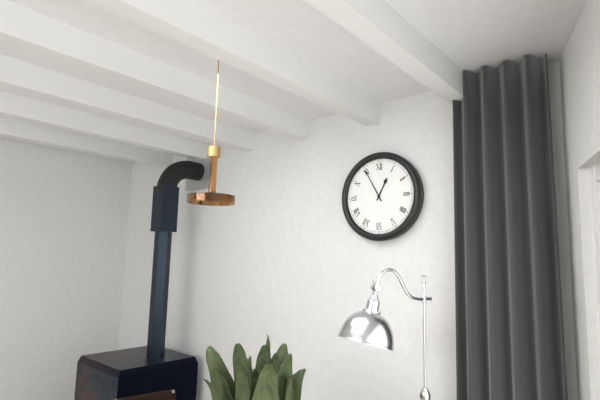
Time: 12h55
